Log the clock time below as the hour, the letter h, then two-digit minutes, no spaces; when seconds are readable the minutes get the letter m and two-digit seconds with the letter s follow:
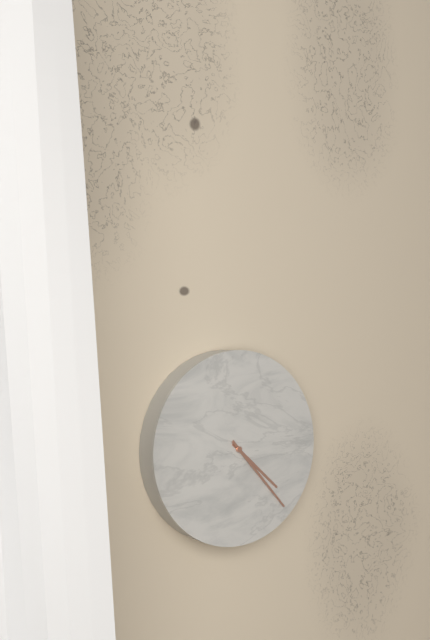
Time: 4h23
